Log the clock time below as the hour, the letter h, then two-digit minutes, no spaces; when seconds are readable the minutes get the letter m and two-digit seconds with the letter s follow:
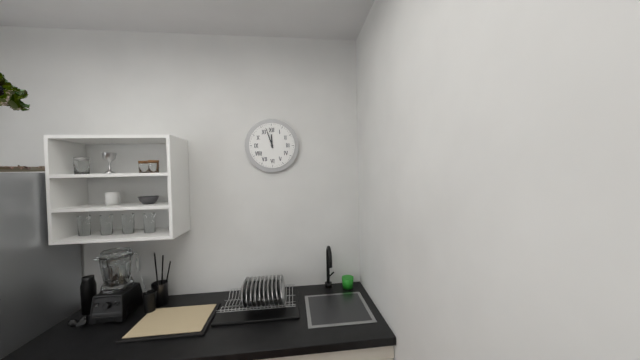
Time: 11h57
